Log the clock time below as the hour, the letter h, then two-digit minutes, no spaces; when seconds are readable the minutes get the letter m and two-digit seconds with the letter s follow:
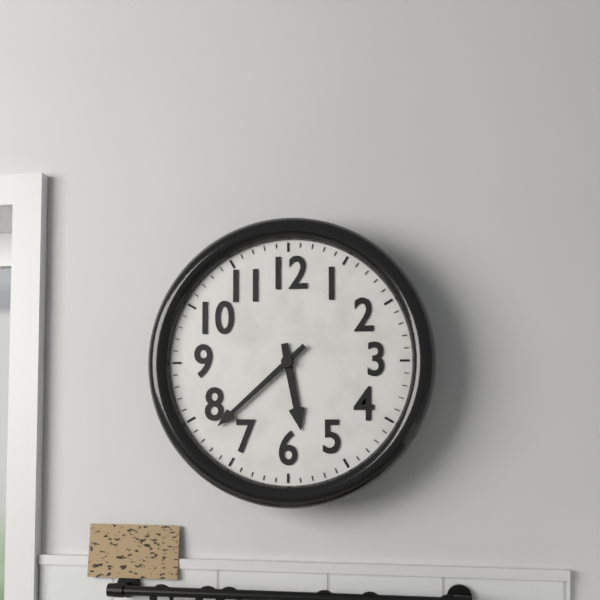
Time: 5h38
